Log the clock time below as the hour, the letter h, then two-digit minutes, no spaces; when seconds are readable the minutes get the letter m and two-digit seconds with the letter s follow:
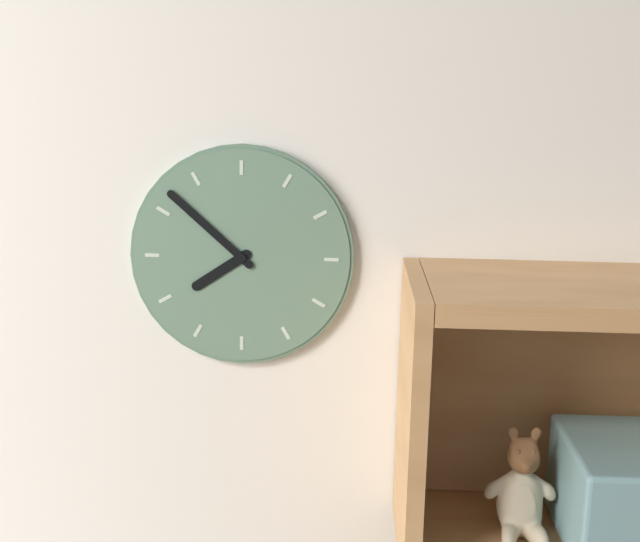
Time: 7h52
